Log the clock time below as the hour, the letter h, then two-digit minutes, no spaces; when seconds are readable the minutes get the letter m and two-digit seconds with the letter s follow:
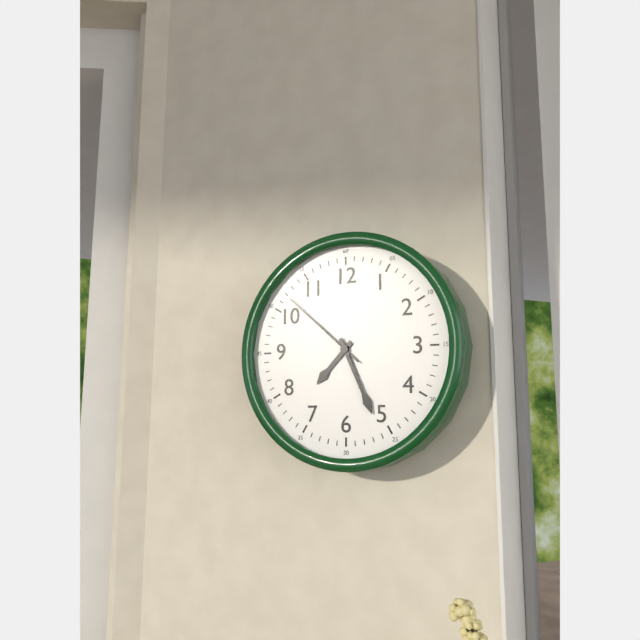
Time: 7h26m52s
